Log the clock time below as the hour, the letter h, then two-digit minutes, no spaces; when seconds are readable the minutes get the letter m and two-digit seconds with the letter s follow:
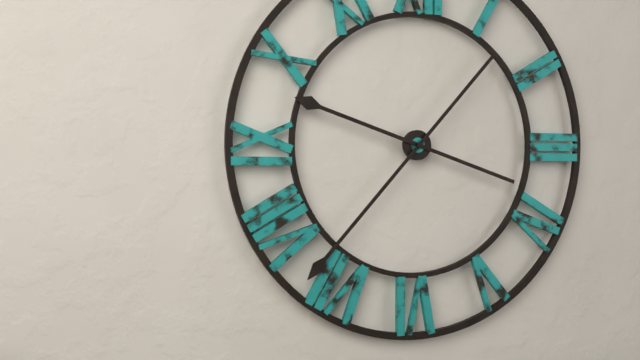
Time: 9h37
